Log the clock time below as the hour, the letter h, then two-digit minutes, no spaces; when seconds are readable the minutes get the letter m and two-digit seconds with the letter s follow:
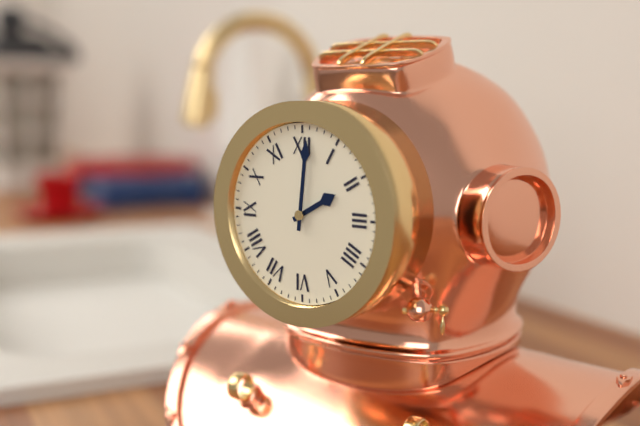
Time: 2h01
